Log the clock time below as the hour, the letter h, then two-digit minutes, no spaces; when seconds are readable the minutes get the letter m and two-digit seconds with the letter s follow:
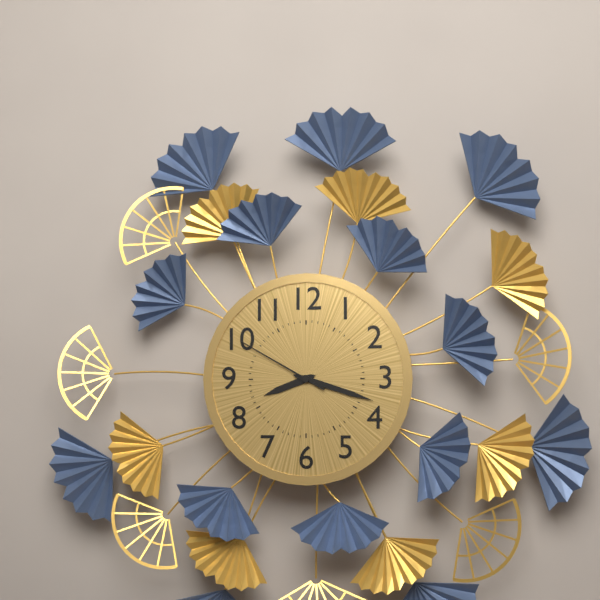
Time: 8h18m50s
